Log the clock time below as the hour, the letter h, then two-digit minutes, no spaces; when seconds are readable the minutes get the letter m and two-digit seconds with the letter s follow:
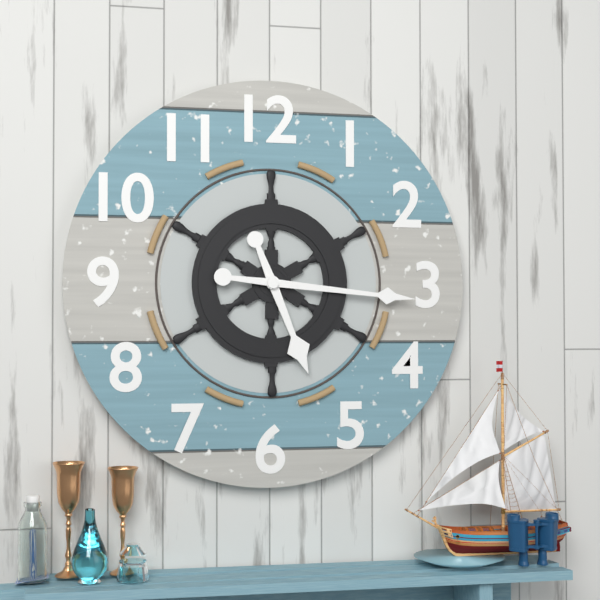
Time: 5h16
